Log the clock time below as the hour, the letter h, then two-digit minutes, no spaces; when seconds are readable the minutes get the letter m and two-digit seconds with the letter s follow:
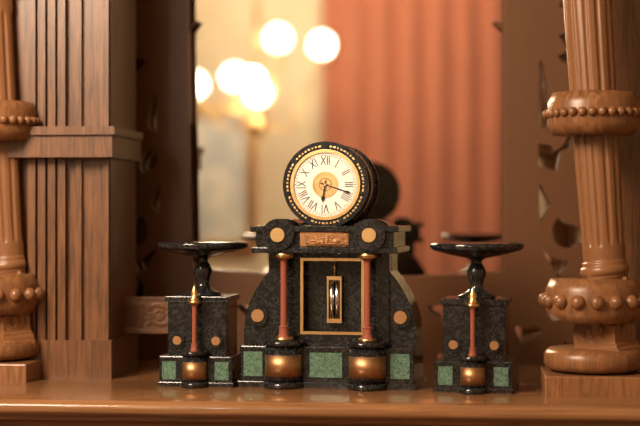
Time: 6h18
